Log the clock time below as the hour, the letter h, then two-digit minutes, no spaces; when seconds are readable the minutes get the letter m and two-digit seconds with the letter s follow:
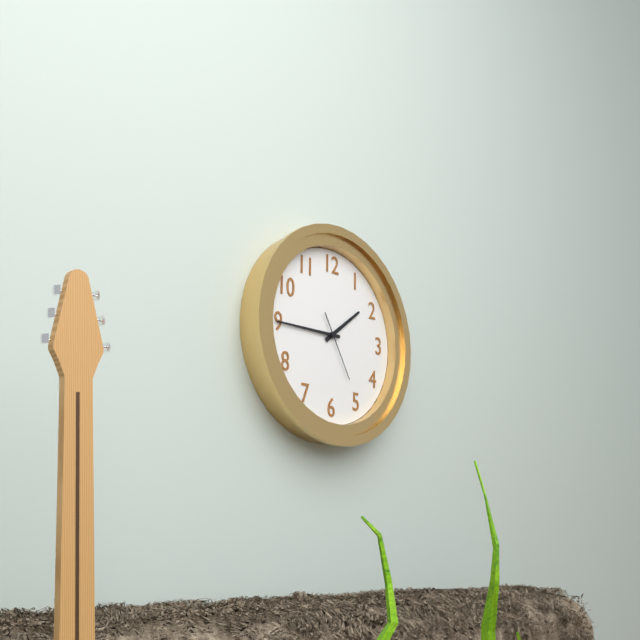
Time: 1h45m25s
